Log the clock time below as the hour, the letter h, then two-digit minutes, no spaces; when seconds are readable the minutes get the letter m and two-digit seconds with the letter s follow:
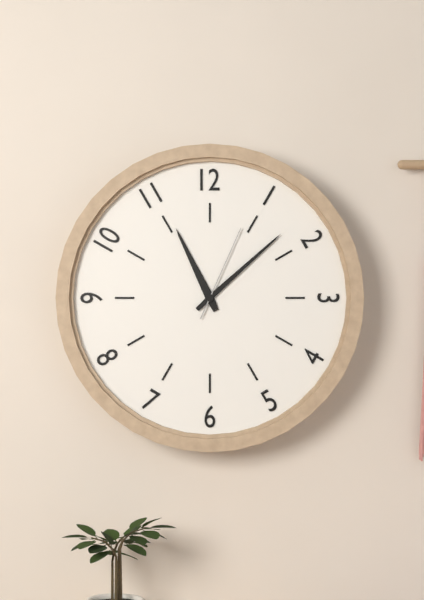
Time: 11h08m04s
